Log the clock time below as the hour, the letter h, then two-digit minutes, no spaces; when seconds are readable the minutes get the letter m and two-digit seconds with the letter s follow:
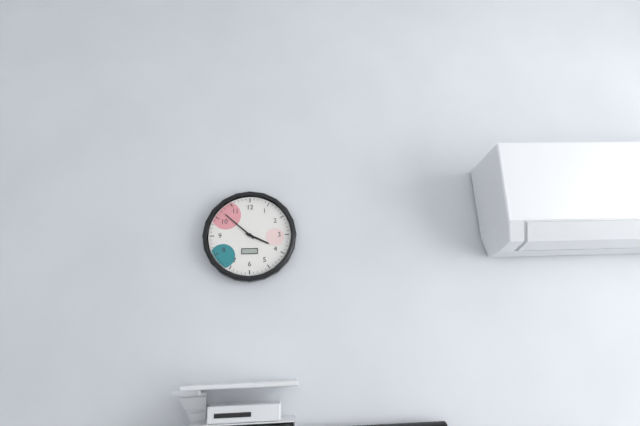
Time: 3h52
